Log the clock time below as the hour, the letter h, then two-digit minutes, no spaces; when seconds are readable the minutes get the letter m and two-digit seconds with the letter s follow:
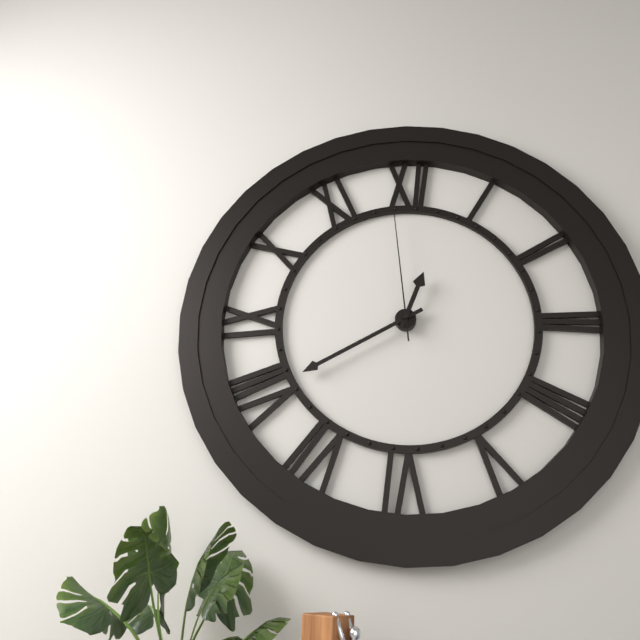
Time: 12h40m59s
